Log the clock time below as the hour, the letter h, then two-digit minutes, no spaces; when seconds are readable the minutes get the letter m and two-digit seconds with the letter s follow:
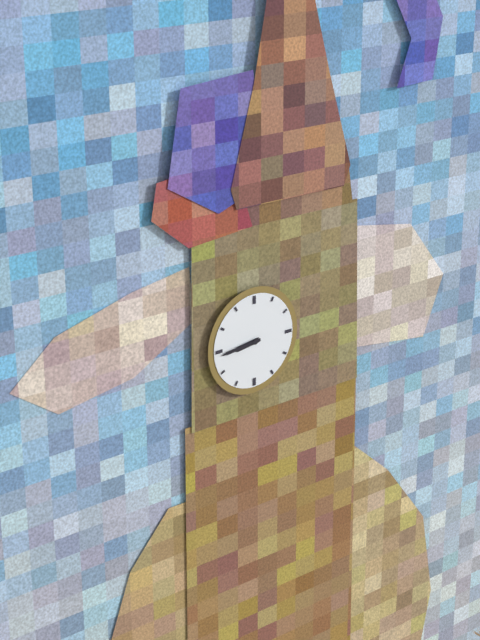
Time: 8h44
